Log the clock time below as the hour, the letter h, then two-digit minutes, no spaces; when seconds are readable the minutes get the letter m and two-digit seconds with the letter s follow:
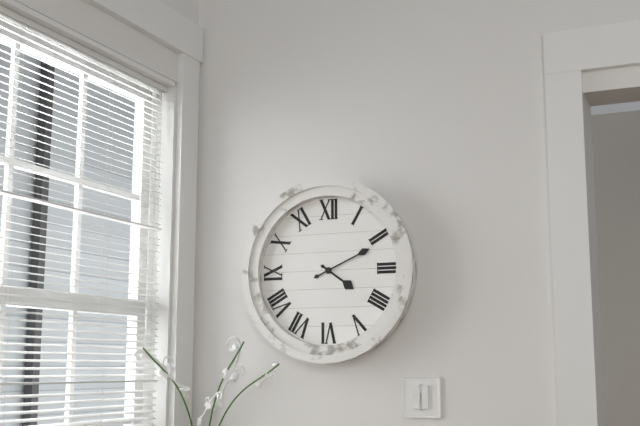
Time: 4h11
